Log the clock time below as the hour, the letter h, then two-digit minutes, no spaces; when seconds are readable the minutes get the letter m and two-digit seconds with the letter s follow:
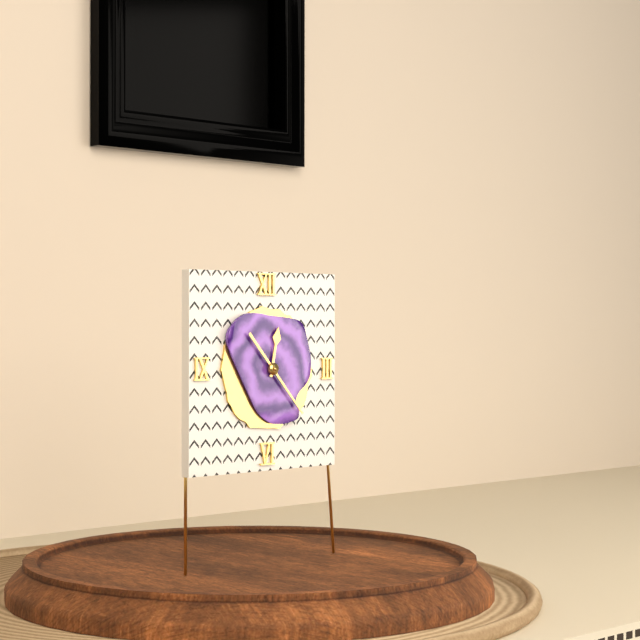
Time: 12h23
